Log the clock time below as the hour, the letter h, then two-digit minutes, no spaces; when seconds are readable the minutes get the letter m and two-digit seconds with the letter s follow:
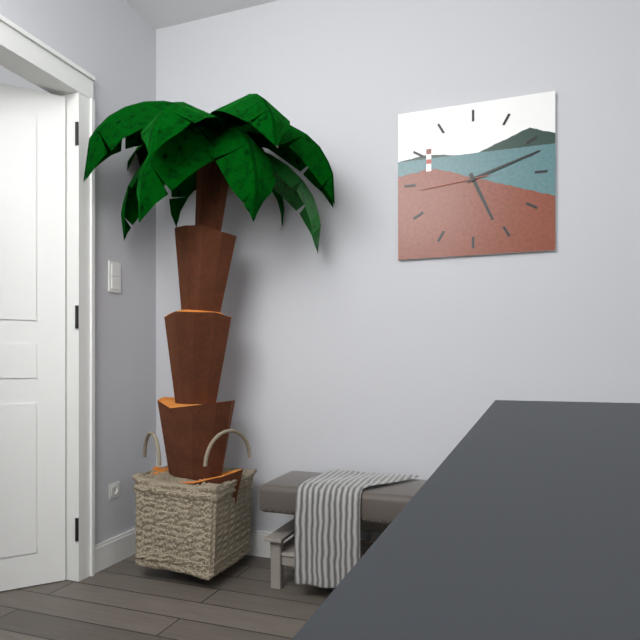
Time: 5h12m44s
